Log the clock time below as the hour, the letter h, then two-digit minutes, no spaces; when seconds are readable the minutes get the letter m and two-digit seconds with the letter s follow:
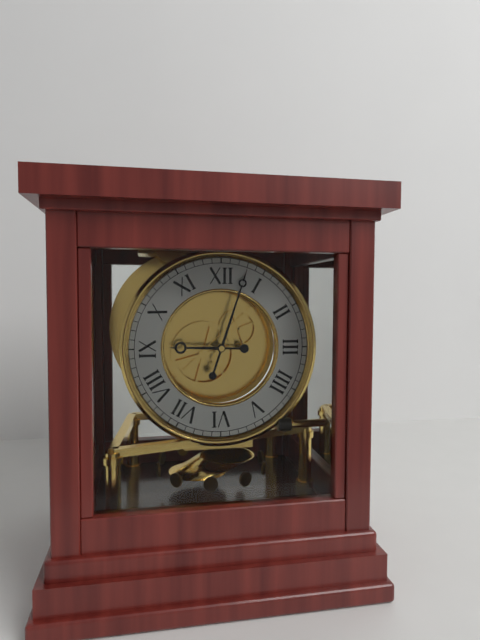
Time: 9h03
